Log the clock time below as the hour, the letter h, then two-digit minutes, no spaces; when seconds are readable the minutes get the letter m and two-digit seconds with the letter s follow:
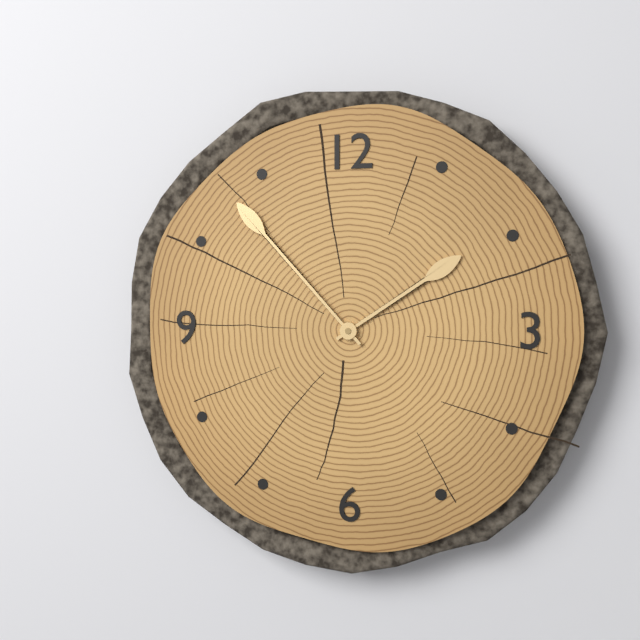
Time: 1h53
